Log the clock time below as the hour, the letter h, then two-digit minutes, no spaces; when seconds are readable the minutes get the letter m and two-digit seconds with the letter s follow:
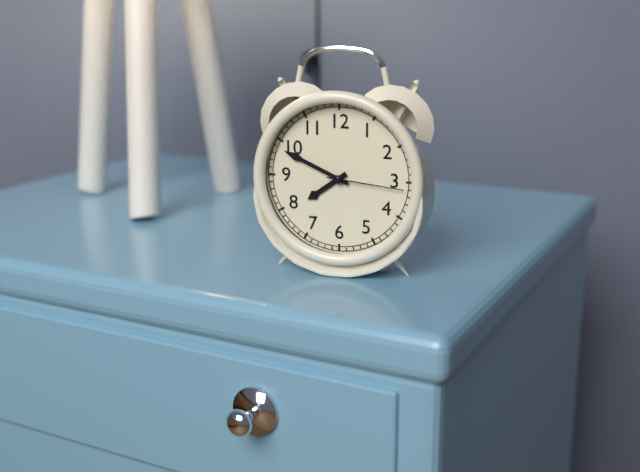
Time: 7h49m16s
